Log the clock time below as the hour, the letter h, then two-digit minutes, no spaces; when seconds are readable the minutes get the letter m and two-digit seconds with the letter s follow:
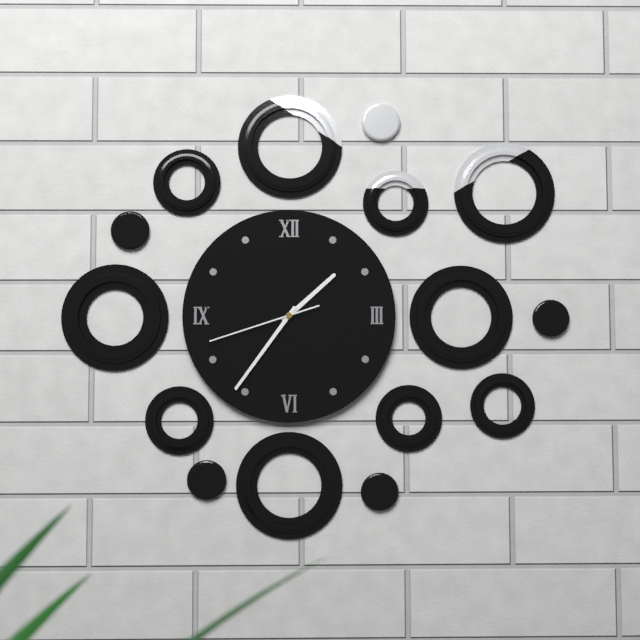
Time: 1h36m42s
